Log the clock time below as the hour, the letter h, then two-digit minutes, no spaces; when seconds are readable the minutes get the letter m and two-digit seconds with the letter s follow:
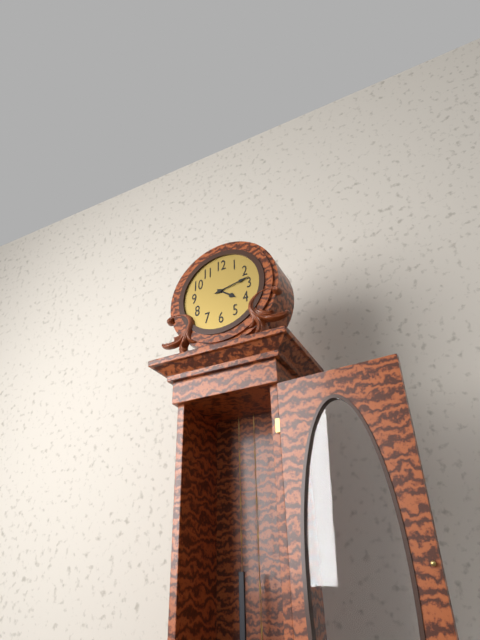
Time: 4h13
